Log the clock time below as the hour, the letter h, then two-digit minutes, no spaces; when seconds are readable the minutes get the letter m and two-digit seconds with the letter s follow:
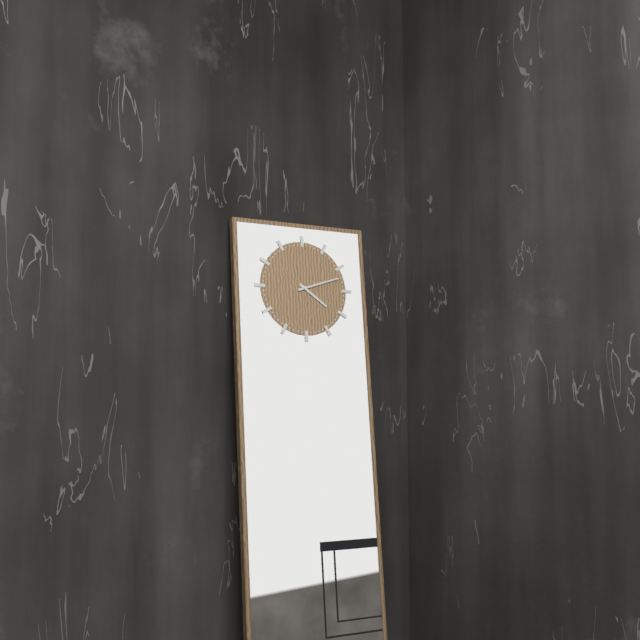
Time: 4h12
